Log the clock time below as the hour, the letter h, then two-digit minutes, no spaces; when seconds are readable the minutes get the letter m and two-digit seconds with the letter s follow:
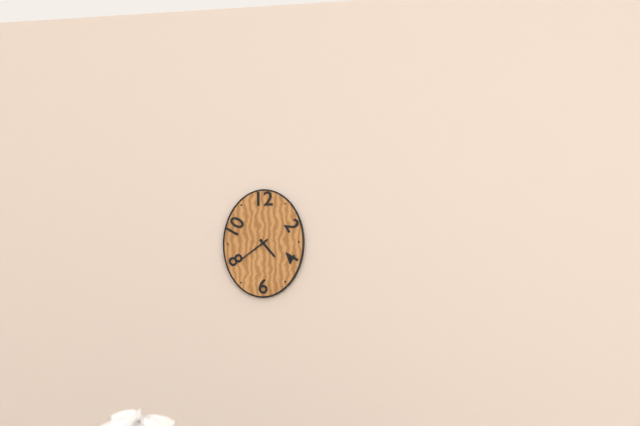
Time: 4h39
